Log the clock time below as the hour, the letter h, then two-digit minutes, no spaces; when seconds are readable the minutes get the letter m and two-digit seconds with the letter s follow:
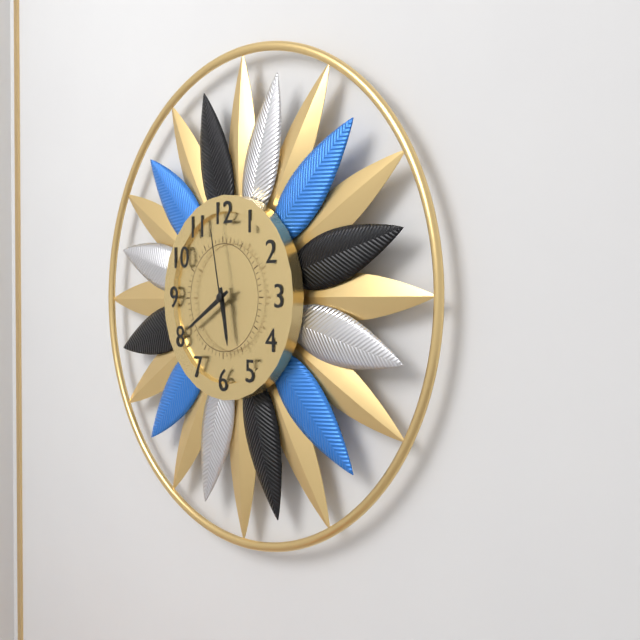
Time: 5h40m58s
